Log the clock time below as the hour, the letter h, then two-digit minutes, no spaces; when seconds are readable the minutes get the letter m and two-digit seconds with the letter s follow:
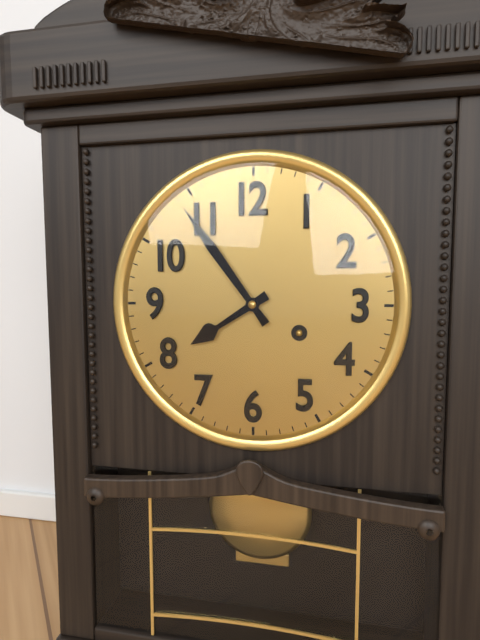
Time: 7h54
